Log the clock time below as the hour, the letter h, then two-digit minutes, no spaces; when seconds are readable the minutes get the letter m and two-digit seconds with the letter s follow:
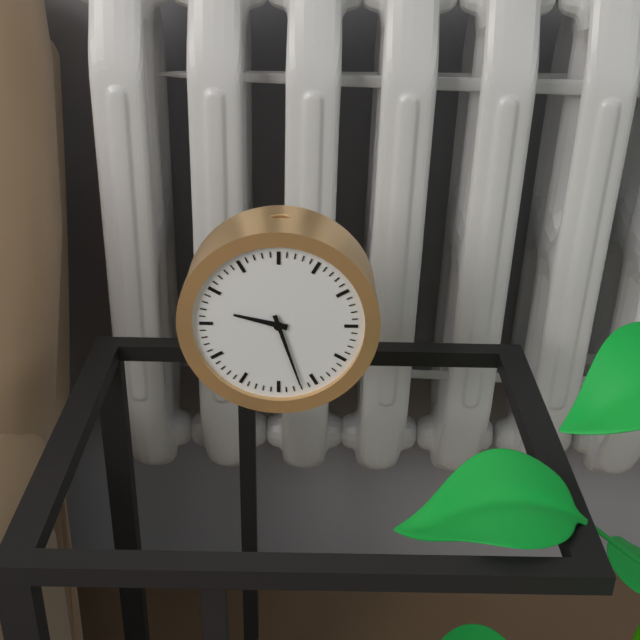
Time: 9h27
